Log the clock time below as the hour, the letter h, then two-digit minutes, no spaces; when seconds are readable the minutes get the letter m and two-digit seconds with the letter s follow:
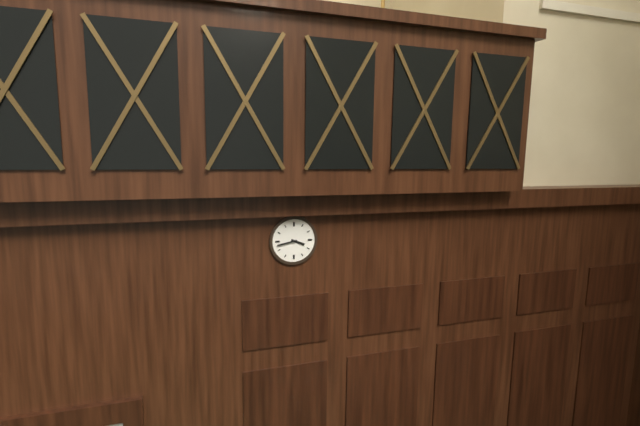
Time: 3h43
